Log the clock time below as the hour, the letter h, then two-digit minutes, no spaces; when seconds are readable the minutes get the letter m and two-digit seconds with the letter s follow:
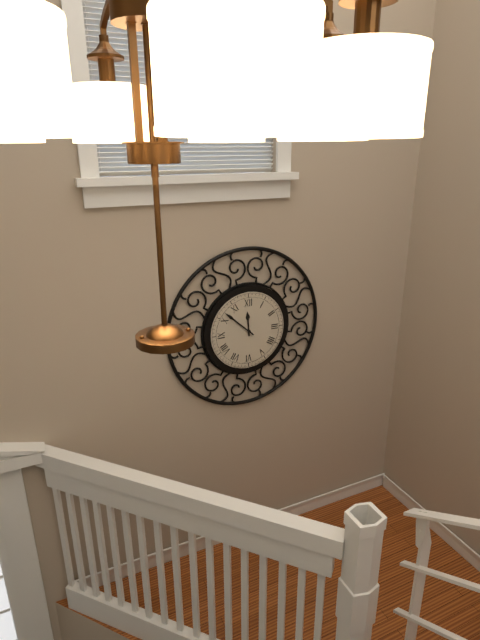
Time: 11h52
